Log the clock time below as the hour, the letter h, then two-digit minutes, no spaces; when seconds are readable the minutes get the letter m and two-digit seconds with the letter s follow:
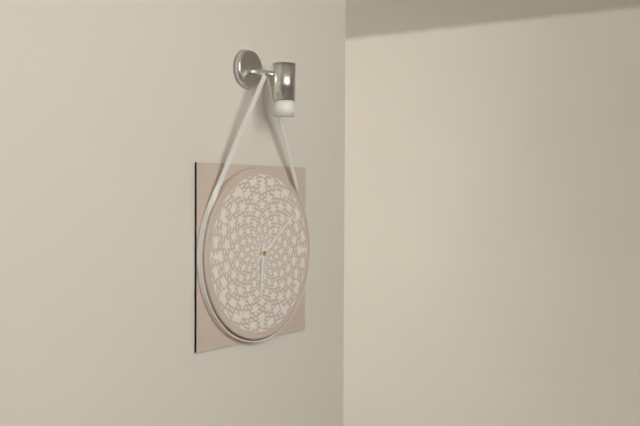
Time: 6h09
